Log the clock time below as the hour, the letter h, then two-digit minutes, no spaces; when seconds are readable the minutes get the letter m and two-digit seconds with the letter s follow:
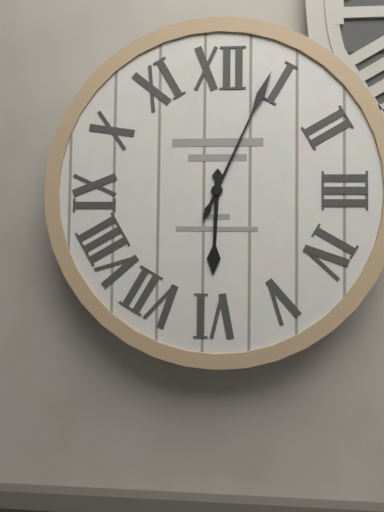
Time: 6h04
